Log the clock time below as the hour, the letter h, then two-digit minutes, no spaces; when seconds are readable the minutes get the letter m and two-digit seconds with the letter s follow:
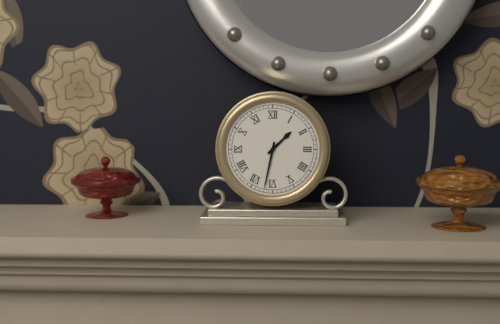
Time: 1h32
